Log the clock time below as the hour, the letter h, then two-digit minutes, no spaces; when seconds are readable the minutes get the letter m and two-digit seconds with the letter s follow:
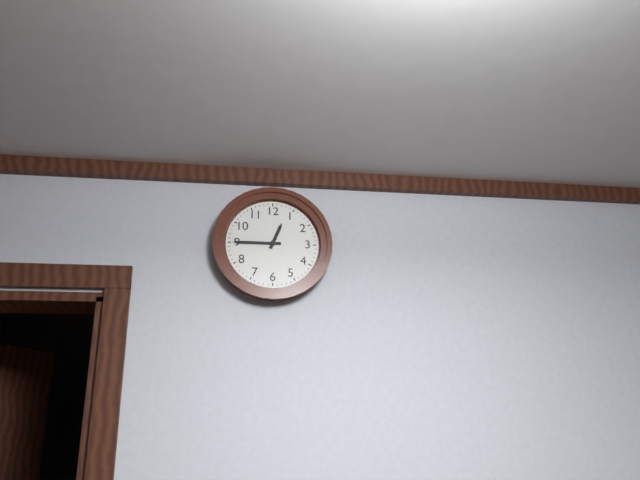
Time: 12h45
